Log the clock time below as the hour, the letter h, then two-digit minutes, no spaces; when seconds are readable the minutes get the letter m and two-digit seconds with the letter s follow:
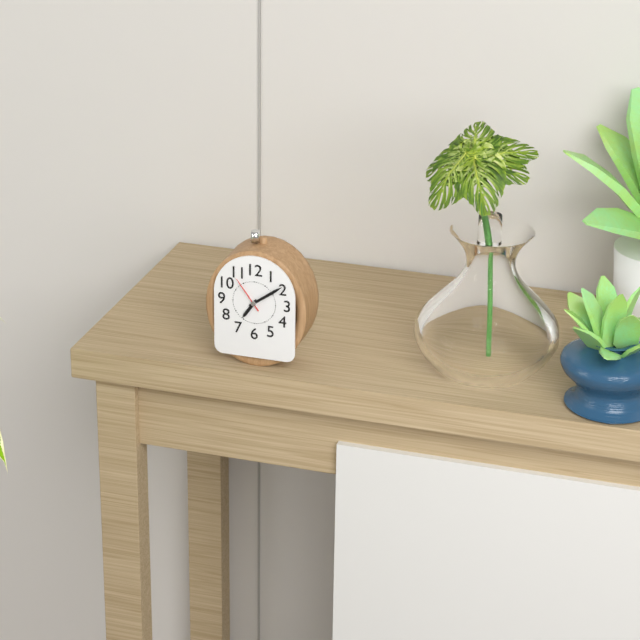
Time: 7h09
